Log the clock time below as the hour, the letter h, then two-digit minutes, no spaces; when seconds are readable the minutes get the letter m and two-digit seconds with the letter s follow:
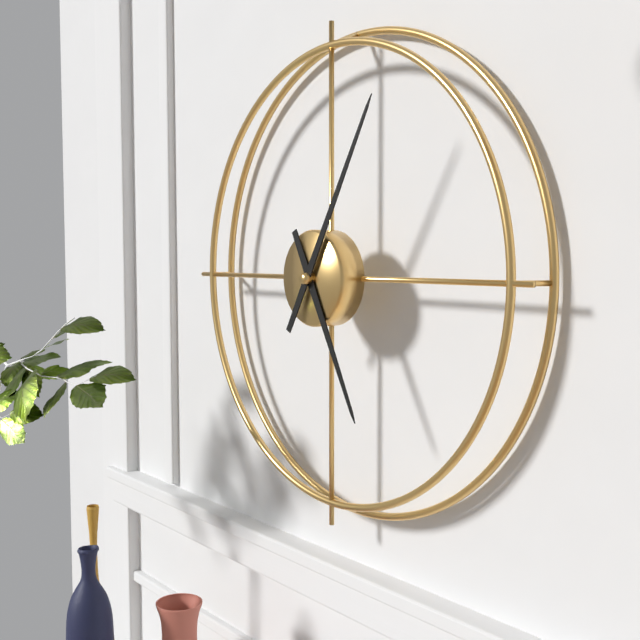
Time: 5h05
